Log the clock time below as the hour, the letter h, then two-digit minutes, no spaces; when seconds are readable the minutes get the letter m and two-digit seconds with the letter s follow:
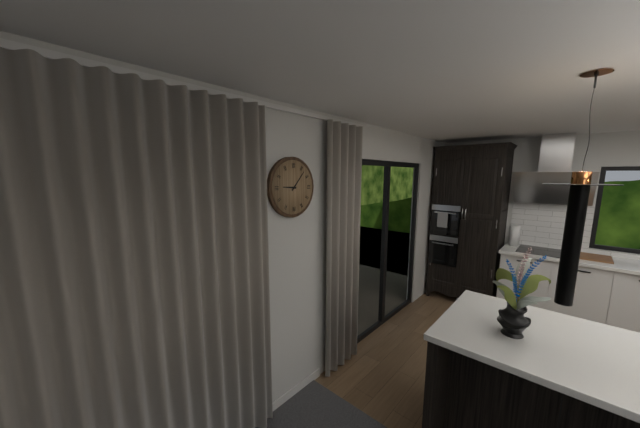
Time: 9h07
